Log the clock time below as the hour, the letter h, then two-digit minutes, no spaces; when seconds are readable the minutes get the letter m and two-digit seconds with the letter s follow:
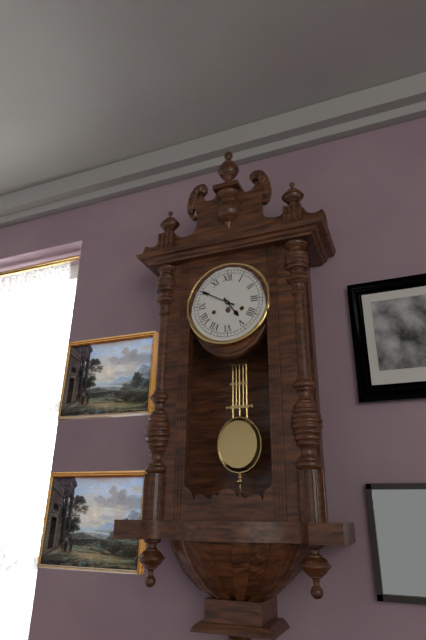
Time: 4h50
